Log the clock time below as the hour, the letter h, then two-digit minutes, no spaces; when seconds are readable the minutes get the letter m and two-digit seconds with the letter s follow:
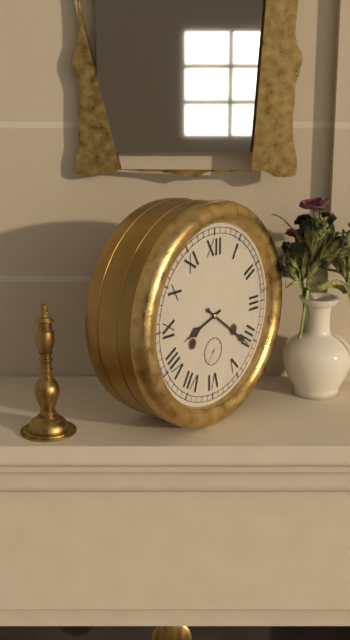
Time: 8h21
